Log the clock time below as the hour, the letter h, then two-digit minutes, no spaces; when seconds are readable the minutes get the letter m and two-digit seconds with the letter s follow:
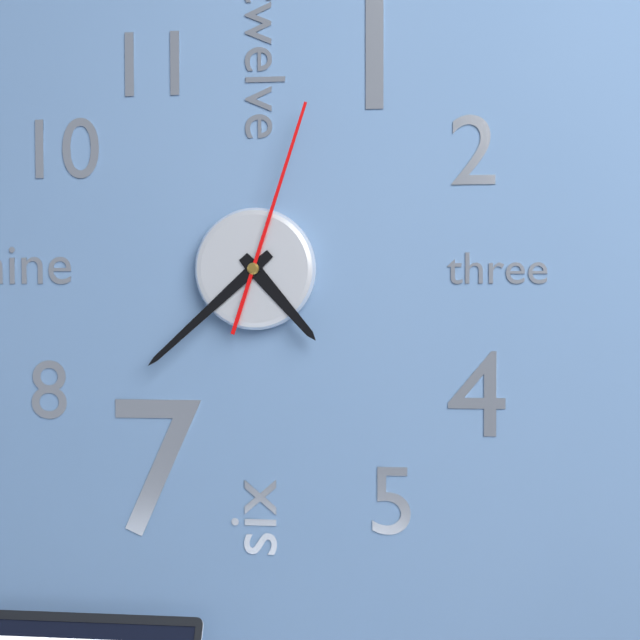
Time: 4h38m03s
